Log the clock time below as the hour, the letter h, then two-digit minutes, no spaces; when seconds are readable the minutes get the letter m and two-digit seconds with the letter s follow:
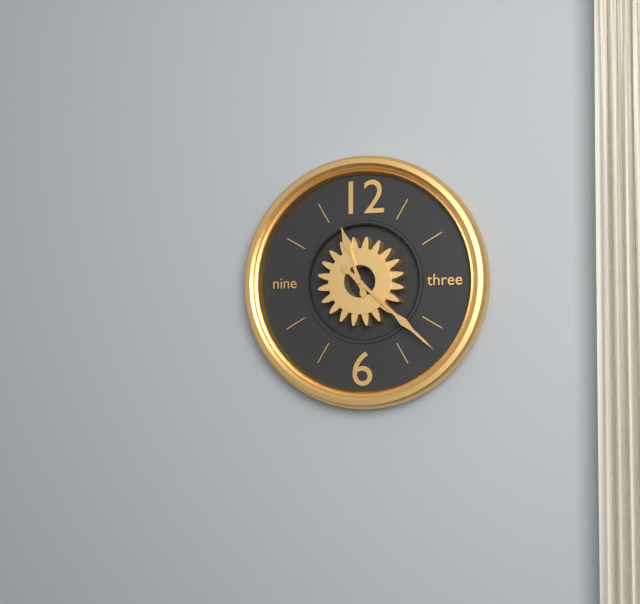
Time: 11h22
